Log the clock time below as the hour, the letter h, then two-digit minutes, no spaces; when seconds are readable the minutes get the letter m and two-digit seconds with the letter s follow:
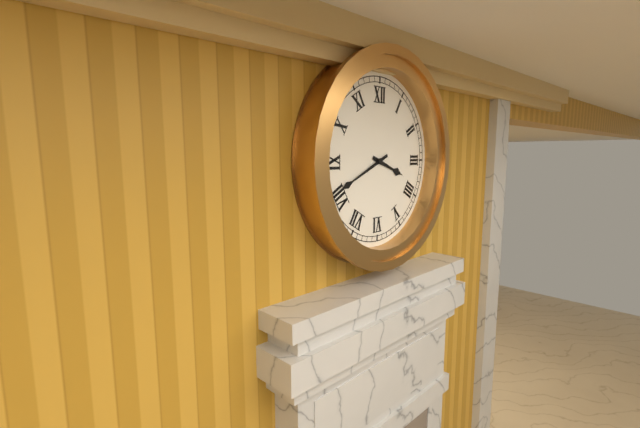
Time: 3h41
